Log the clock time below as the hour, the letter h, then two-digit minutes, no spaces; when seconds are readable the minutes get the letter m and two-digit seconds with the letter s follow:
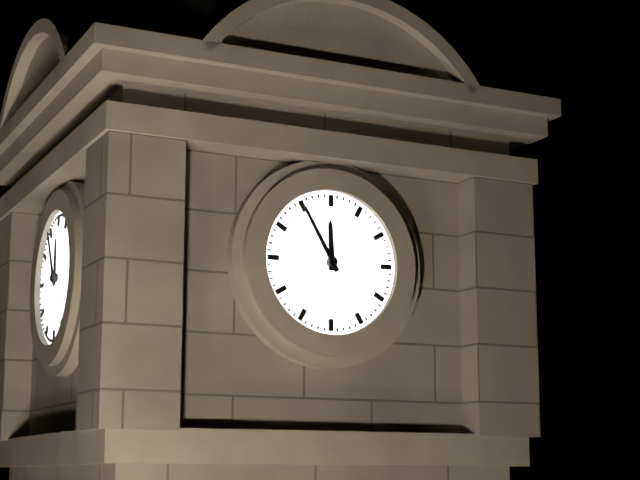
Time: 11h55
